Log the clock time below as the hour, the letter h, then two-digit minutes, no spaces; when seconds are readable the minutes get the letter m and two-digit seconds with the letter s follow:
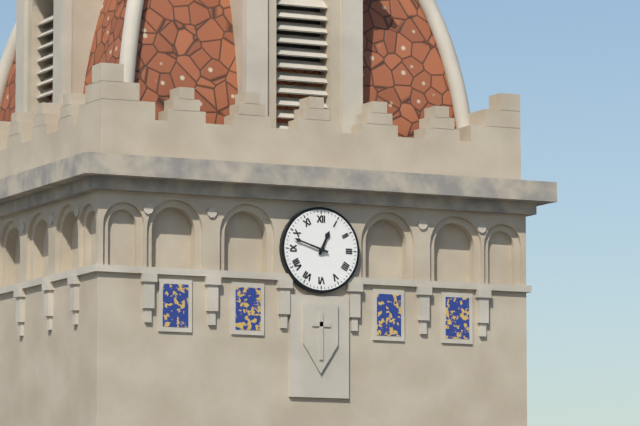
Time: 12h48
